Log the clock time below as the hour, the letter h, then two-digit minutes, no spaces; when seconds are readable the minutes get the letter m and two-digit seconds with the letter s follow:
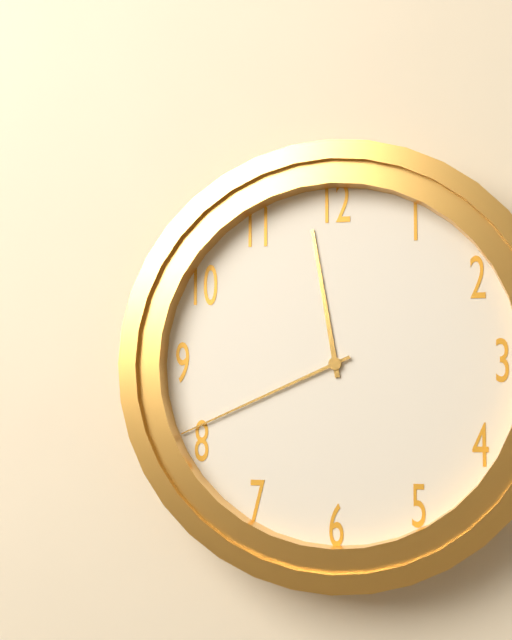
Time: 11h41
